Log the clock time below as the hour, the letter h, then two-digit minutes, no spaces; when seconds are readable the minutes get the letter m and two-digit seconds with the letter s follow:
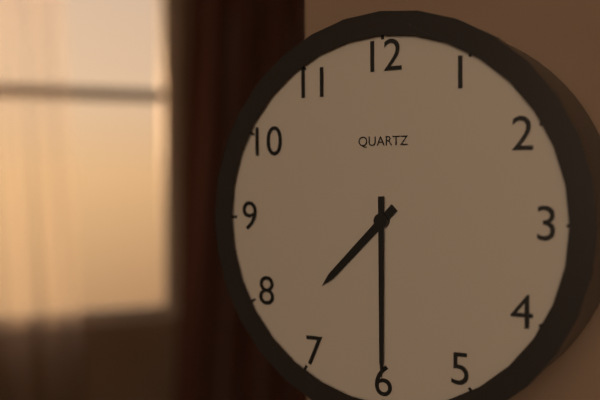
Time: 7h30
